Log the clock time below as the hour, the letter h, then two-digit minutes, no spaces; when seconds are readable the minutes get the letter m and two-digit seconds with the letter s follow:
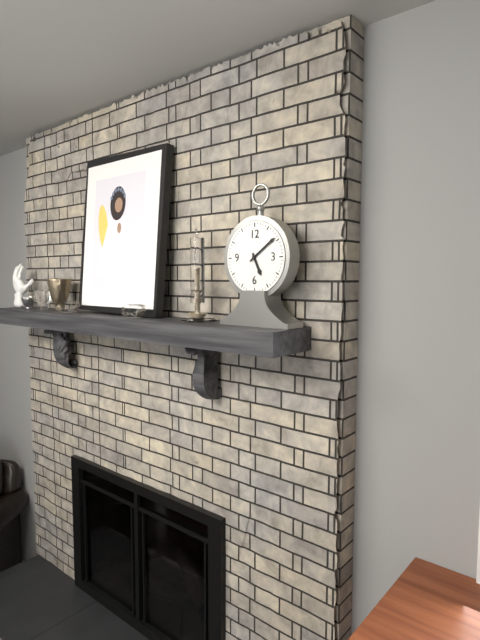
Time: 5h09
